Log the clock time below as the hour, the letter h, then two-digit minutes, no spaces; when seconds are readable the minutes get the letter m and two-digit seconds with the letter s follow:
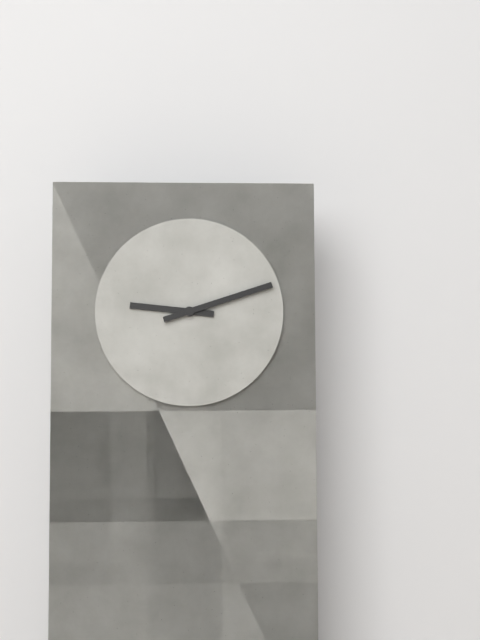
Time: 9h12
